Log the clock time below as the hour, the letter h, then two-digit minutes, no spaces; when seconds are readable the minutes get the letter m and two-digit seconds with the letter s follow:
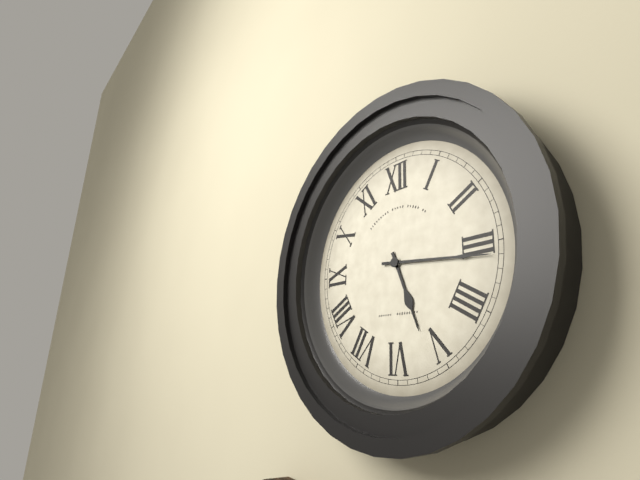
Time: 5h16
